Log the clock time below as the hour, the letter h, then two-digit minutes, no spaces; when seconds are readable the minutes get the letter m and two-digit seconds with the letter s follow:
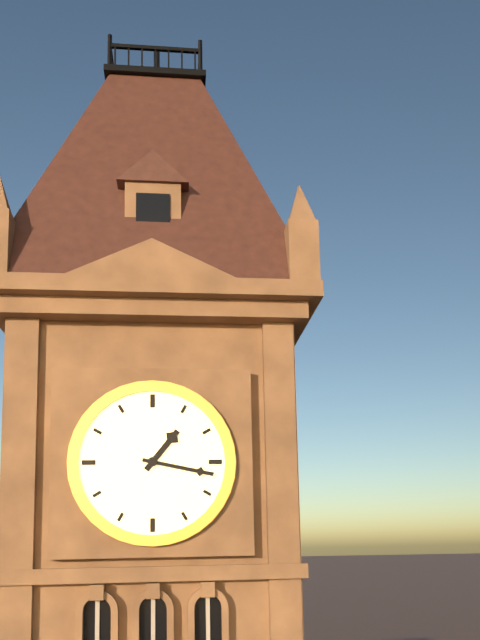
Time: 1h17
